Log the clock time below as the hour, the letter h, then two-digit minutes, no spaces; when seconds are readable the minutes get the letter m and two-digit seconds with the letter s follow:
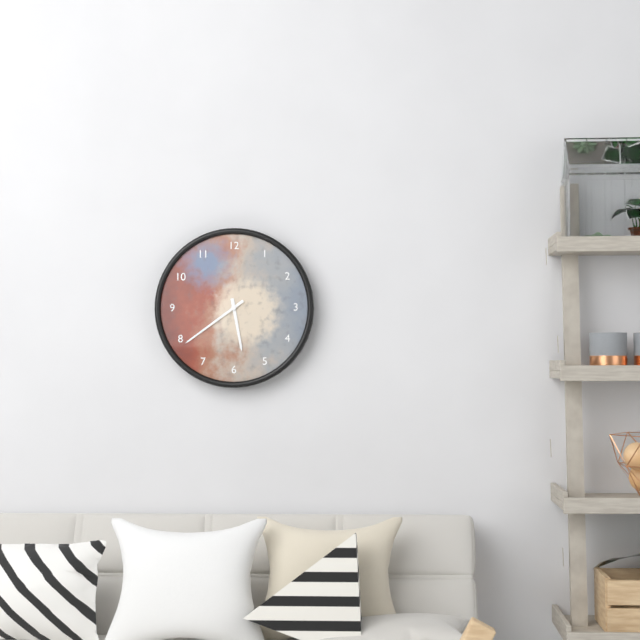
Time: 5h39
